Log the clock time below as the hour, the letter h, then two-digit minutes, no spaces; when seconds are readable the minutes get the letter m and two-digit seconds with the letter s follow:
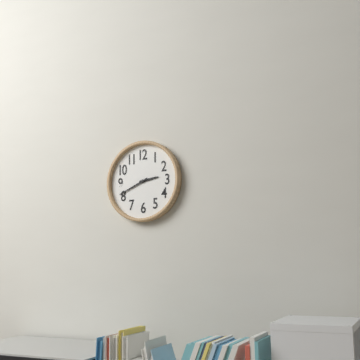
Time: 2h41
